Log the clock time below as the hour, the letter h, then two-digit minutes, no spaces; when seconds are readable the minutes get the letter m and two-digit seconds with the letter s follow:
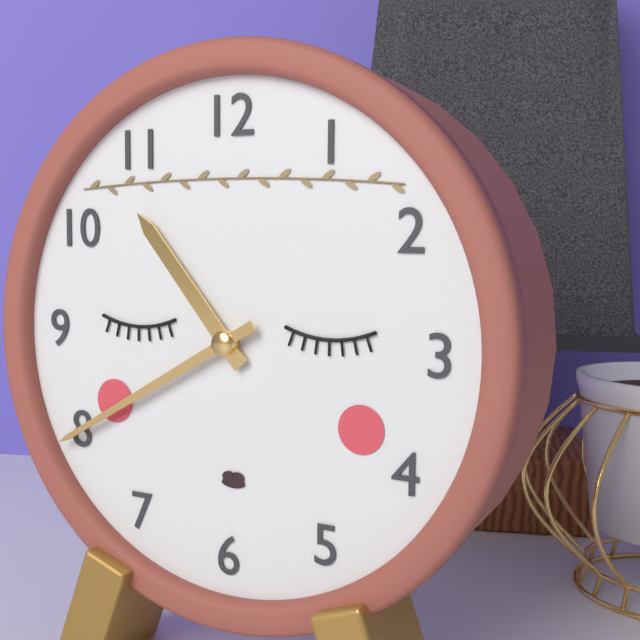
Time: 10h40
